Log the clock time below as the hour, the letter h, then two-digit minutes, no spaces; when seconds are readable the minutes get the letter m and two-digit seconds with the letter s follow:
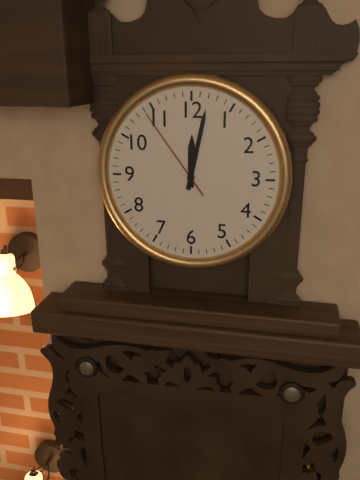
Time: 12h02m54s
